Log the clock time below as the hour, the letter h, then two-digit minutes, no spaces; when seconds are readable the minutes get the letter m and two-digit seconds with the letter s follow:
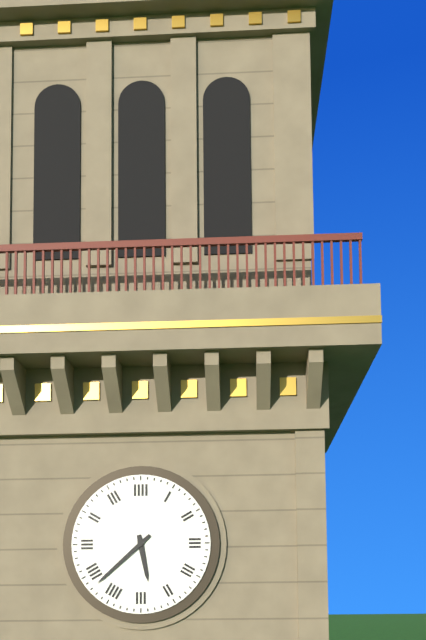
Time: 5h38
